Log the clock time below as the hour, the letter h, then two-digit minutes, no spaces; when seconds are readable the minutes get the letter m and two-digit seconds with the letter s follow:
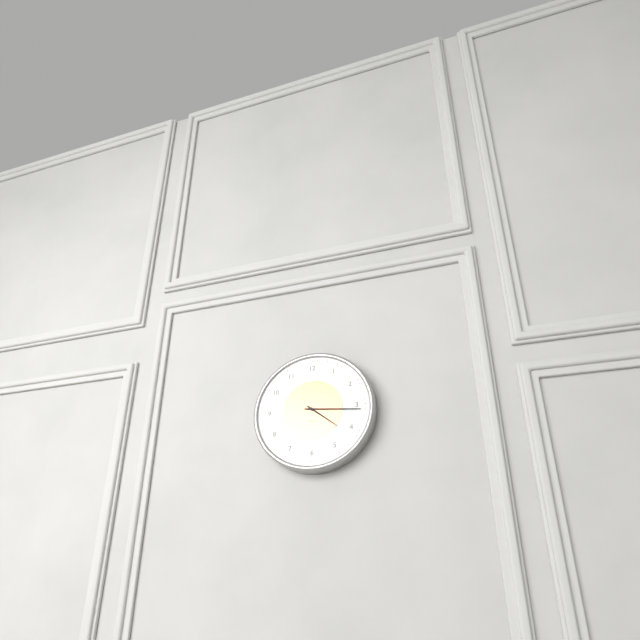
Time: 4h16
